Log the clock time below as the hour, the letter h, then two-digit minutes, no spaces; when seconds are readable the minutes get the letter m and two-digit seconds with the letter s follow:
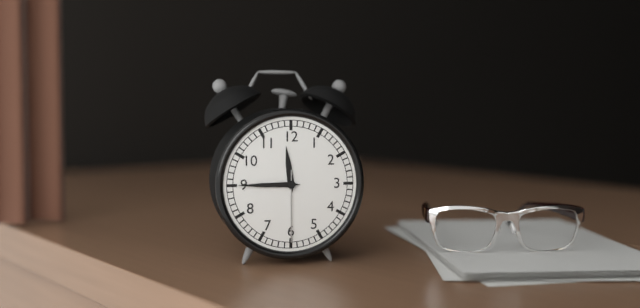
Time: 11h45m30s
